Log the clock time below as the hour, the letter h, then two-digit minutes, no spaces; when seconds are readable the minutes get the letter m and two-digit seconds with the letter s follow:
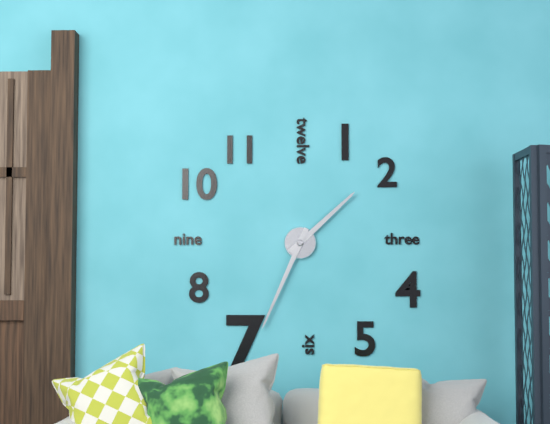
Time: 1h34
